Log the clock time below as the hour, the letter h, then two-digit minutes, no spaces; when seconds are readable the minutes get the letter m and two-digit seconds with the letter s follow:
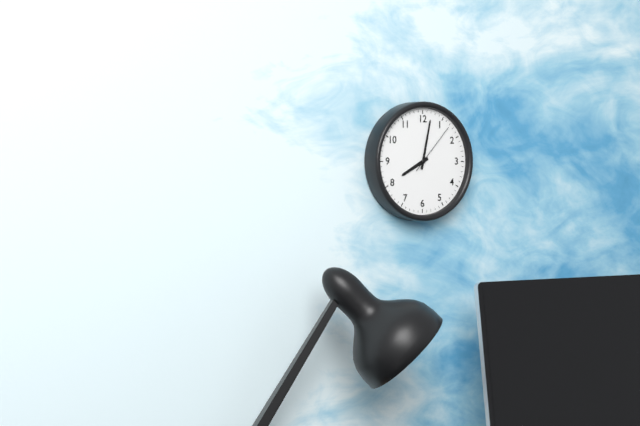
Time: 8h02m07s
